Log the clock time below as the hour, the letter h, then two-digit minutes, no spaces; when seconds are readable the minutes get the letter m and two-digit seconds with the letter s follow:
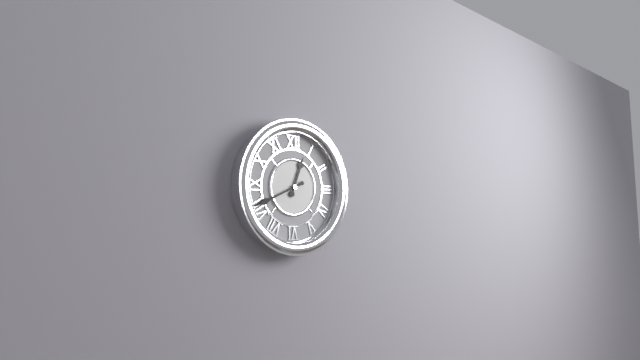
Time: 12h41
